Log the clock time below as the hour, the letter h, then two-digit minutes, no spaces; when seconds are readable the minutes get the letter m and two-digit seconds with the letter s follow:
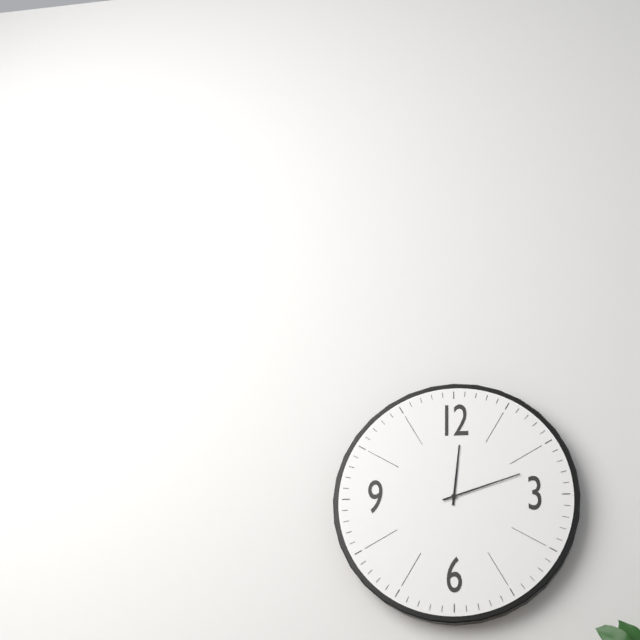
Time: 12h12
